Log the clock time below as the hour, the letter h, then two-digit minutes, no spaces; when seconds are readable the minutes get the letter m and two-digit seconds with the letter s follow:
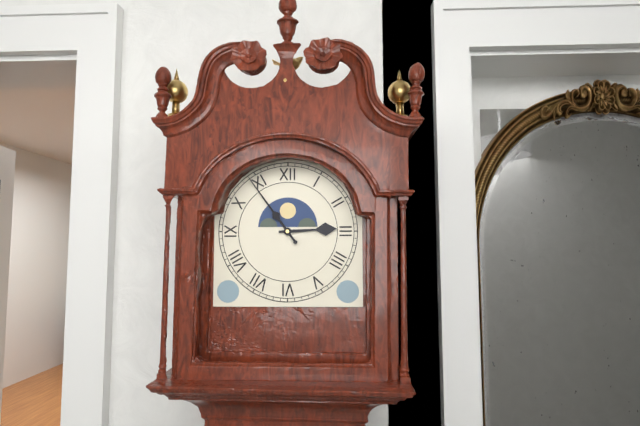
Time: 2h54
